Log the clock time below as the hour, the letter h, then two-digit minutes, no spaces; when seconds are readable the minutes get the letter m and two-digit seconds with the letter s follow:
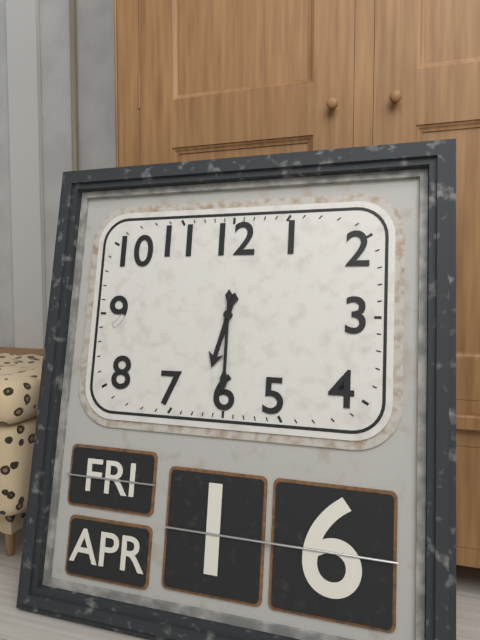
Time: 6h30
